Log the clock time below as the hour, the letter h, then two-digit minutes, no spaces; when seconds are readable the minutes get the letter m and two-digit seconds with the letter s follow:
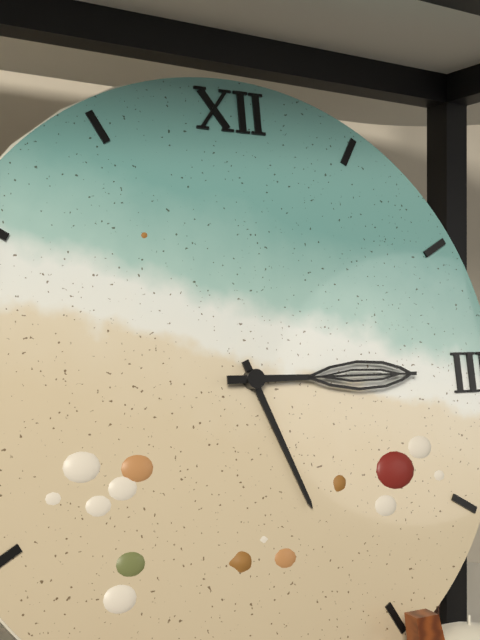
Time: 5h15
